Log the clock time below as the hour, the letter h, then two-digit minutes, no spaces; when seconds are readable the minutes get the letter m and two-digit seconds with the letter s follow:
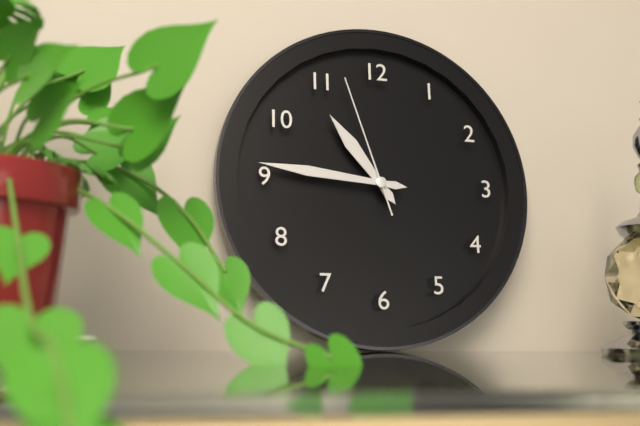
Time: 10h46m57s
